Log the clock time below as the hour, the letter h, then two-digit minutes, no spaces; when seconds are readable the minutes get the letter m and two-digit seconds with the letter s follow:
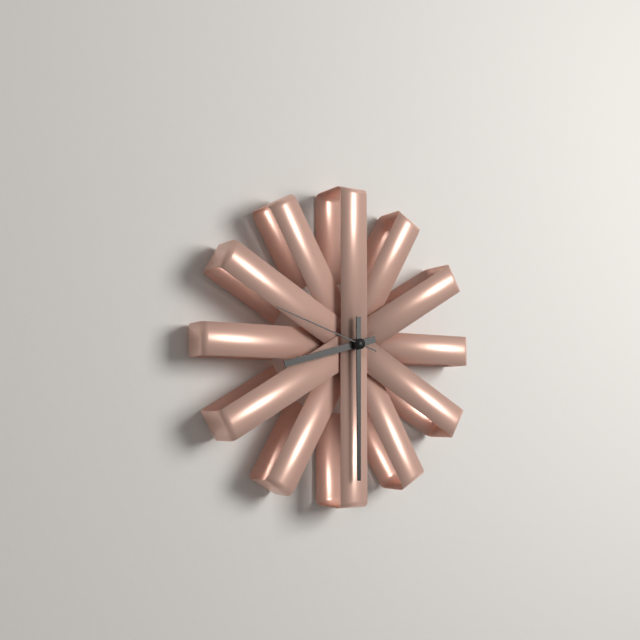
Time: 8h30m48s
